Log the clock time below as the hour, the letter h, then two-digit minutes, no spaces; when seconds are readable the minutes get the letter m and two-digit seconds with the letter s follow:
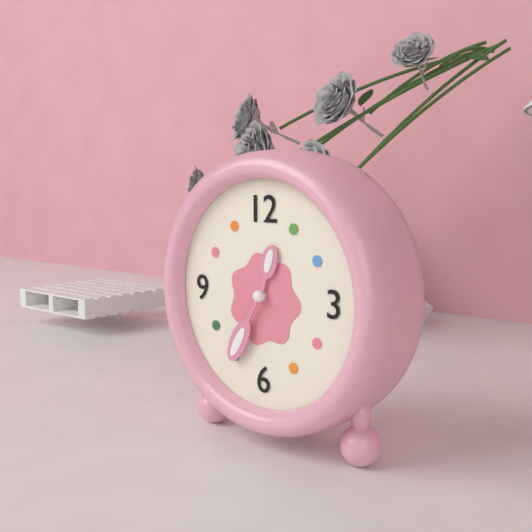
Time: 12h35
